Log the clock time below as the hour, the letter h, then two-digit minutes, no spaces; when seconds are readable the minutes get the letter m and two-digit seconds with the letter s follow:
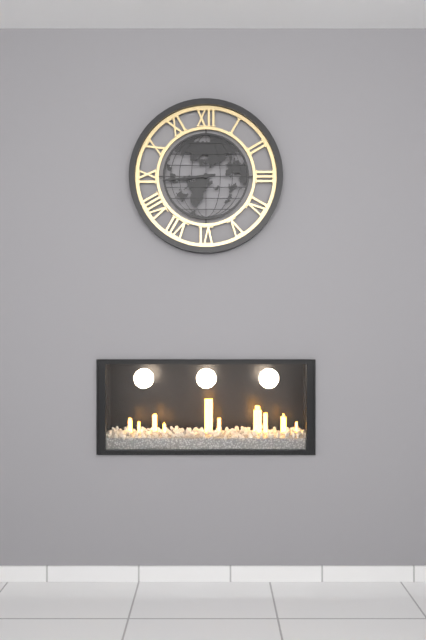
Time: 8h44
